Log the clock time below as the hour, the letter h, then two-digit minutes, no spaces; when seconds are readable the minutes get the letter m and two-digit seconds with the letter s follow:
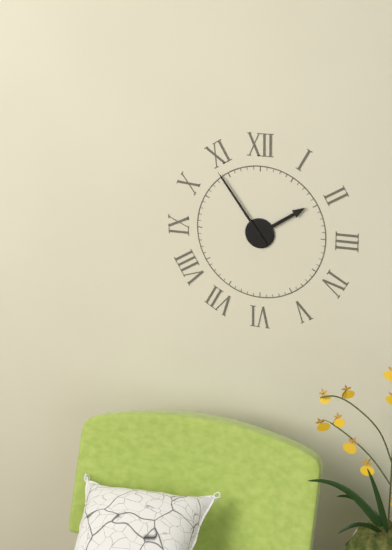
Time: 1h54
